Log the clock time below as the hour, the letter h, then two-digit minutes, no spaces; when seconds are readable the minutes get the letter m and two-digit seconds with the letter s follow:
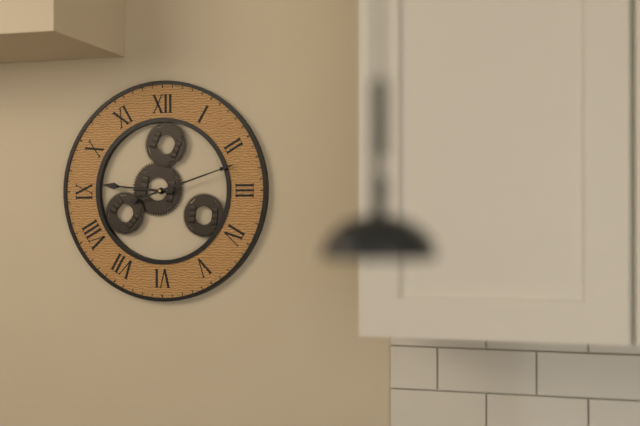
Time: 9h12
